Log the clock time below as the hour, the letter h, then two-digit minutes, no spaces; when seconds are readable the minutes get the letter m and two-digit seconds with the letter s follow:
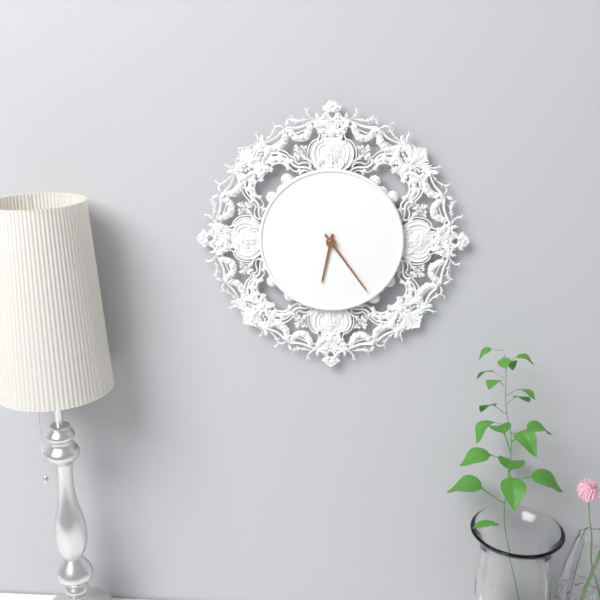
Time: 6h24
